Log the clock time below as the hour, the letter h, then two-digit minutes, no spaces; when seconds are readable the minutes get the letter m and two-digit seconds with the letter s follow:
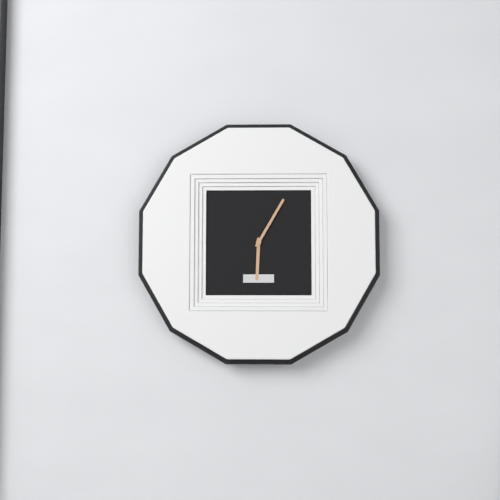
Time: 6h05
